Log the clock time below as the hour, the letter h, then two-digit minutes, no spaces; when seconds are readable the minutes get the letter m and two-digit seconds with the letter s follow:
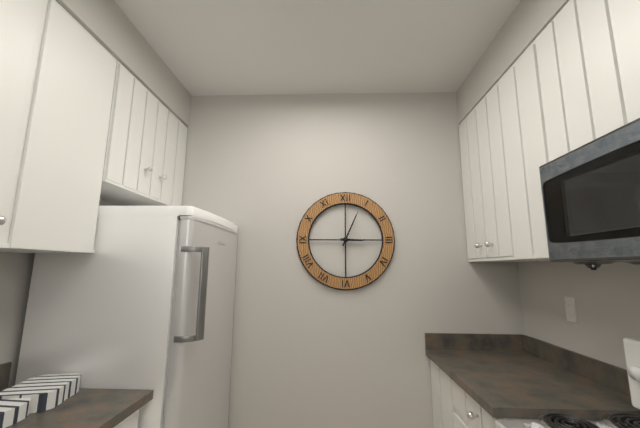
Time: 3h04
